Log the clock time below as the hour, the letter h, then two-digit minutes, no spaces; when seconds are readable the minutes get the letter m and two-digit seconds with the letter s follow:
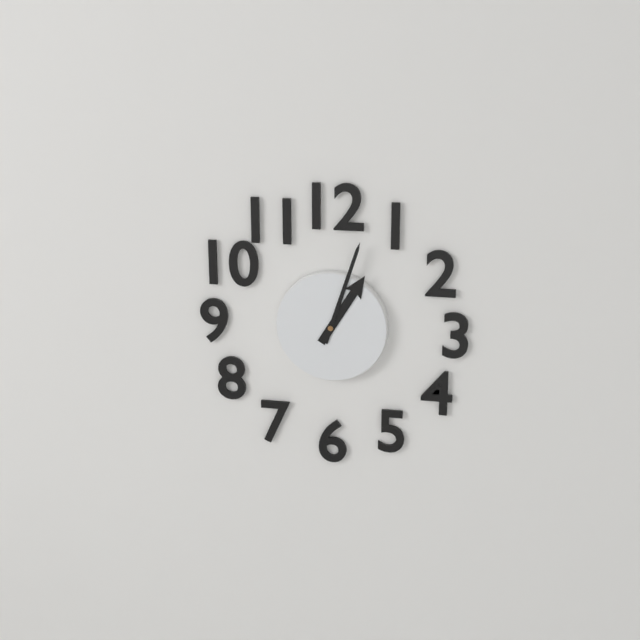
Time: 1h03
